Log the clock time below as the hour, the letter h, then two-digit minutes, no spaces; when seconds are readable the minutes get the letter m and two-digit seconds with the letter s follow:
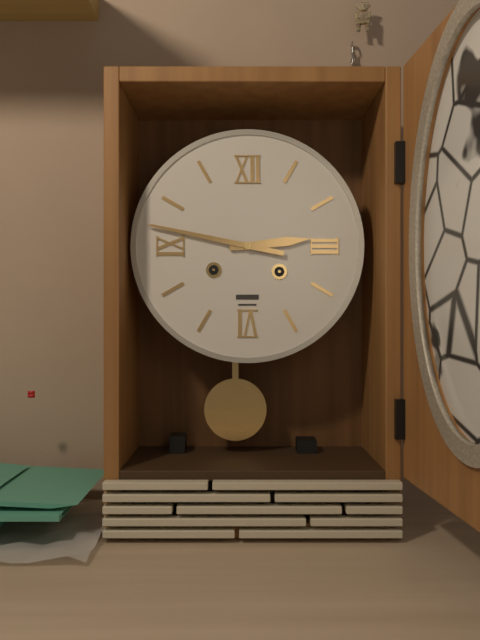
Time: 2h47
